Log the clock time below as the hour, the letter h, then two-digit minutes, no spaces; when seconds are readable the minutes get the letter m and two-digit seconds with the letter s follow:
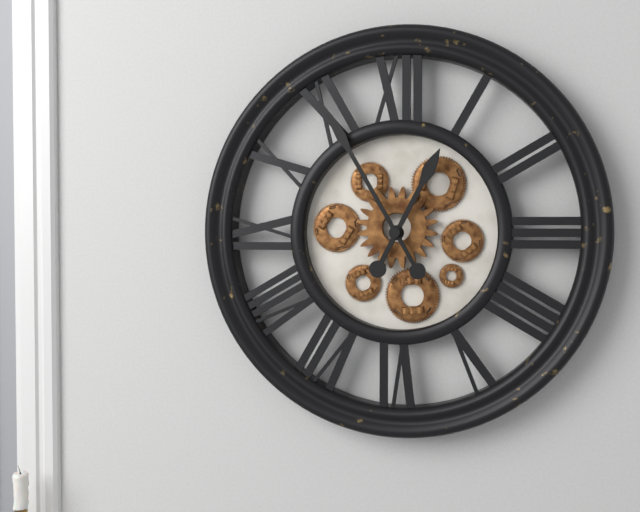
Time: 12h55
